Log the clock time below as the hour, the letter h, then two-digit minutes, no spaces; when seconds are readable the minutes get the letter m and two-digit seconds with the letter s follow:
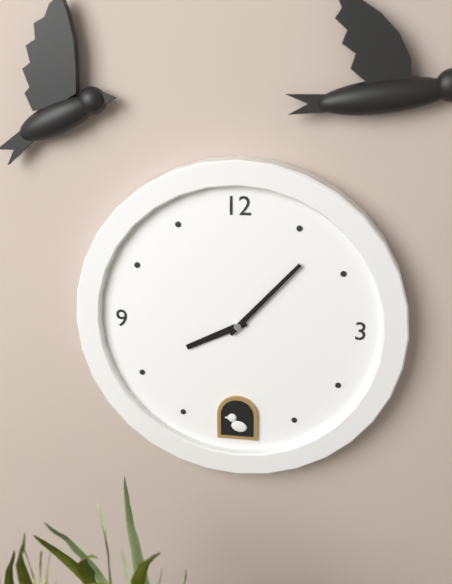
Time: 8h07
